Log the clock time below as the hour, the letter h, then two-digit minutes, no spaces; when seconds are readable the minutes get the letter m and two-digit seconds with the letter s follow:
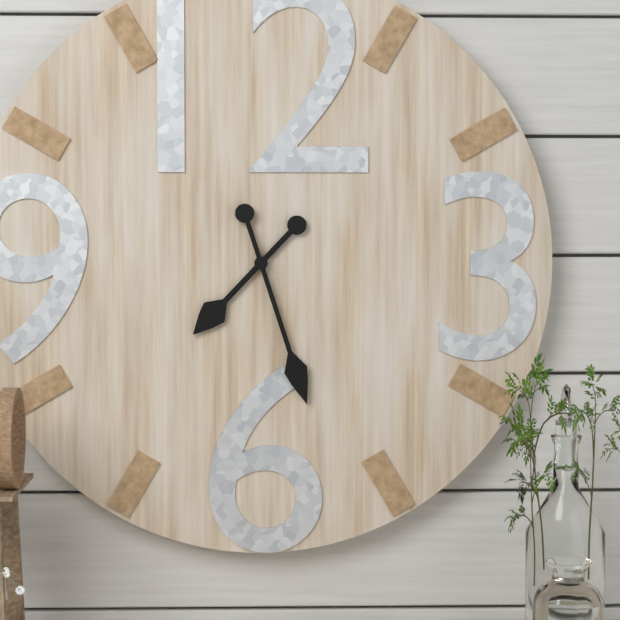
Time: 7h27
